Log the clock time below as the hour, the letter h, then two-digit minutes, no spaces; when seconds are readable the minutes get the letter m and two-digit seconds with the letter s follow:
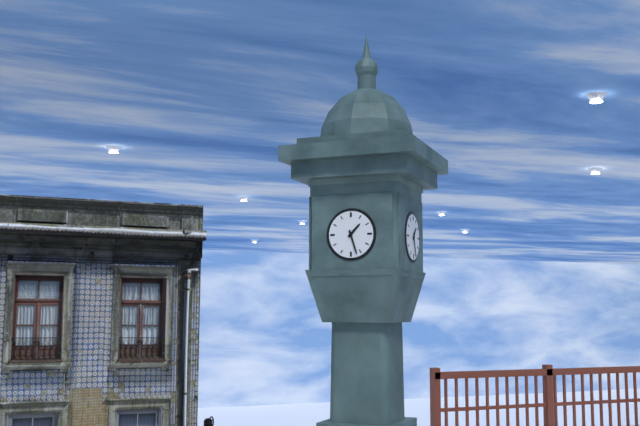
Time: 1h27
